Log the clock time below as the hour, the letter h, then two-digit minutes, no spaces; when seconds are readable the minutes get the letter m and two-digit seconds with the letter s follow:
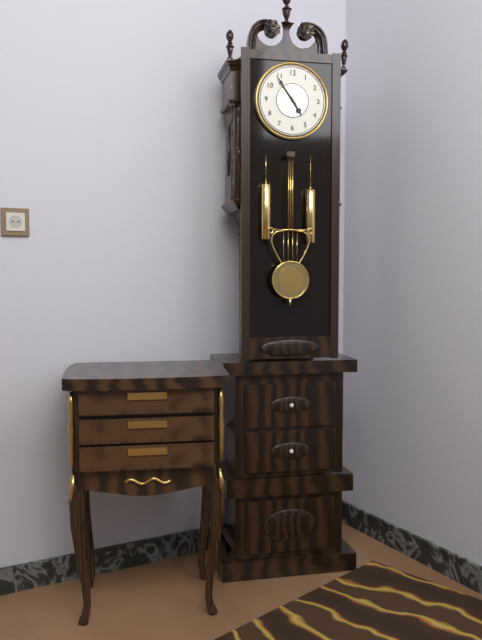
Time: 4h54
